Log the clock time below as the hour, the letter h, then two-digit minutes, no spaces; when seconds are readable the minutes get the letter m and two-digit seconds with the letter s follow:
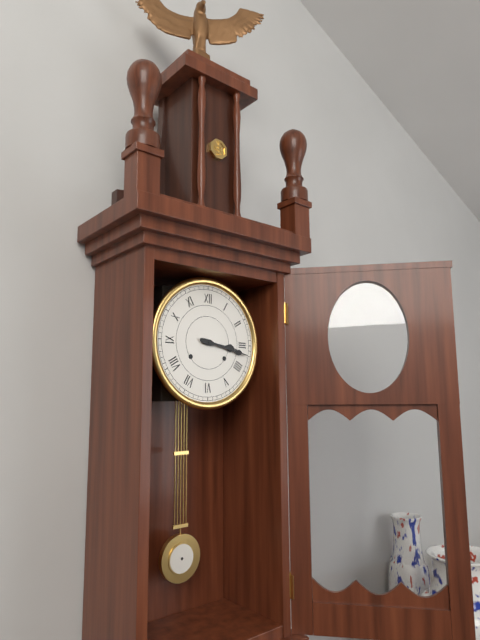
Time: 3h17
